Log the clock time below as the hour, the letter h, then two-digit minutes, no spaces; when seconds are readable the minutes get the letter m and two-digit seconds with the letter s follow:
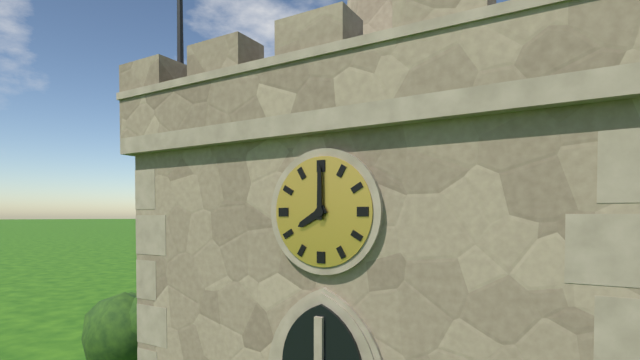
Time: 8h00
